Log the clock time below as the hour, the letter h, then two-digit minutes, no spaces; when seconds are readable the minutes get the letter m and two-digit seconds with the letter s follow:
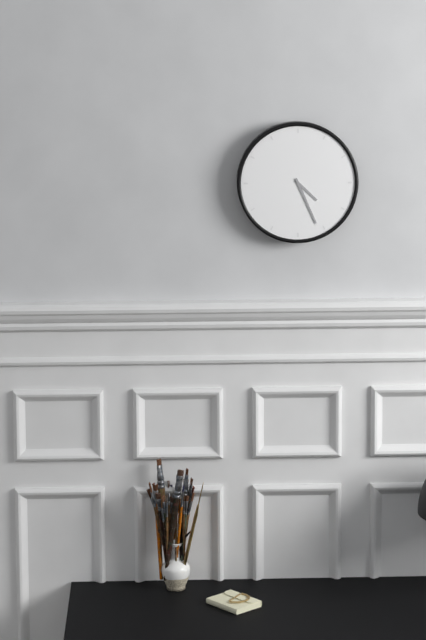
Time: 4h26
